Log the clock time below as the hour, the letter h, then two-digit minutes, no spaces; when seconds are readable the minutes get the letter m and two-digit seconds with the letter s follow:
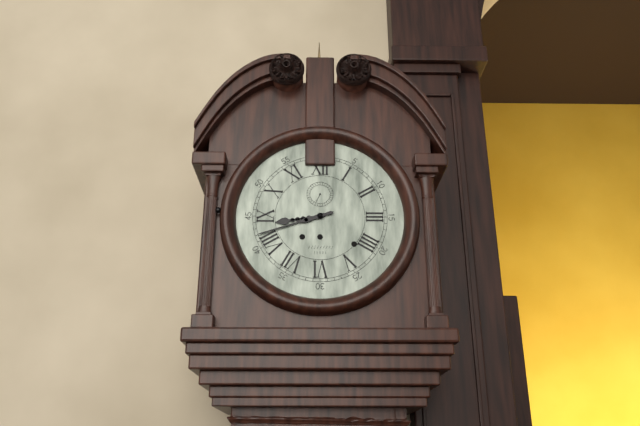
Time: 8h42
